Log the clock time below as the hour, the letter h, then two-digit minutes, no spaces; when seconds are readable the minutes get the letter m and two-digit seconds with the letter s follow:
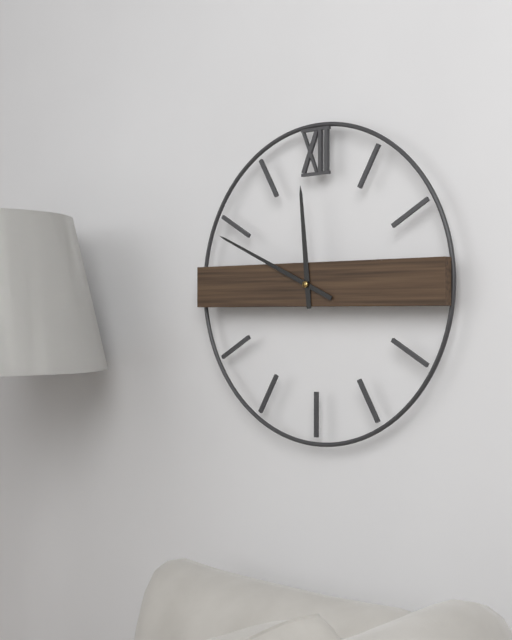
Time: 11h49
